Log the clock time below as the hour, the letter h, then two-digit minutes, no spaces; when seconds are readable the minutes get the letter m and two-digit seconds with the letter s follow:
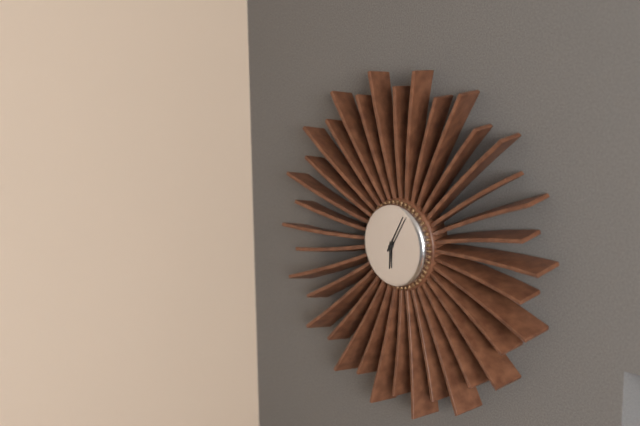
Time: 6h05
